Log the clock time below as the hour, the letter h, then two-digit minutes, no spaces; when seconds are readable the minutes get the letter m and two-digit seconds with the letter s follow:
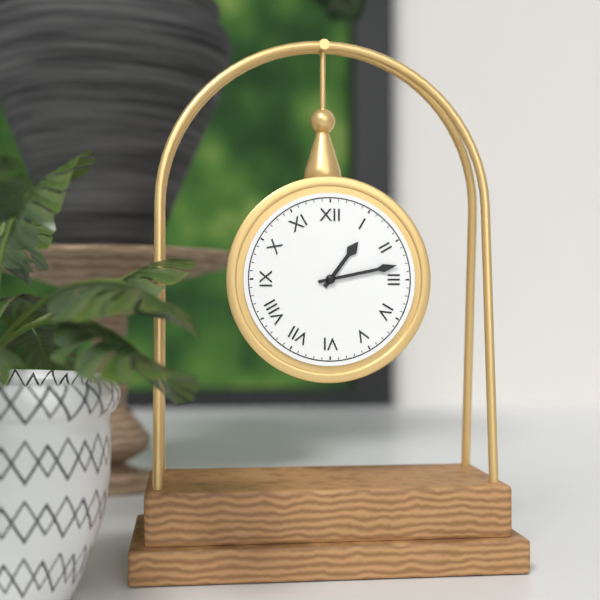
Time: 1h13
